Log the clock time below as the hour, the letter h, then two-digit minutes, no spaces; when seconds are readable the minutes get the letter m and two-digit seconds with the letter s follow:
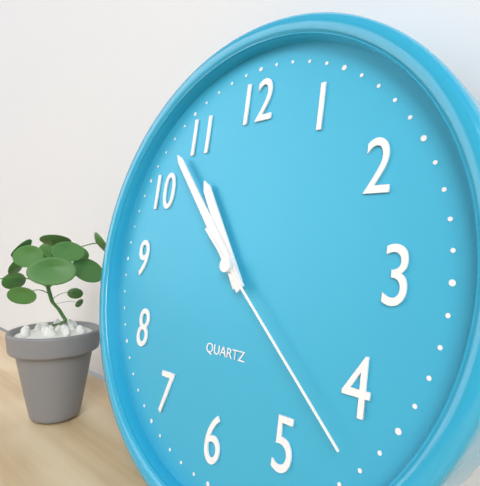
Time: 10h53m22s
